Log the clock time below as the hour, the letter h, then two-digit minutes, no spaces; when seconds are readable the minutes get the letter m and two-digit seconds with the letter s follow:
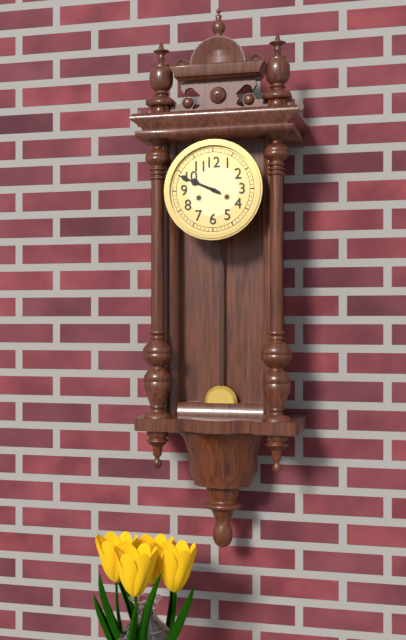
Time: 9h49
